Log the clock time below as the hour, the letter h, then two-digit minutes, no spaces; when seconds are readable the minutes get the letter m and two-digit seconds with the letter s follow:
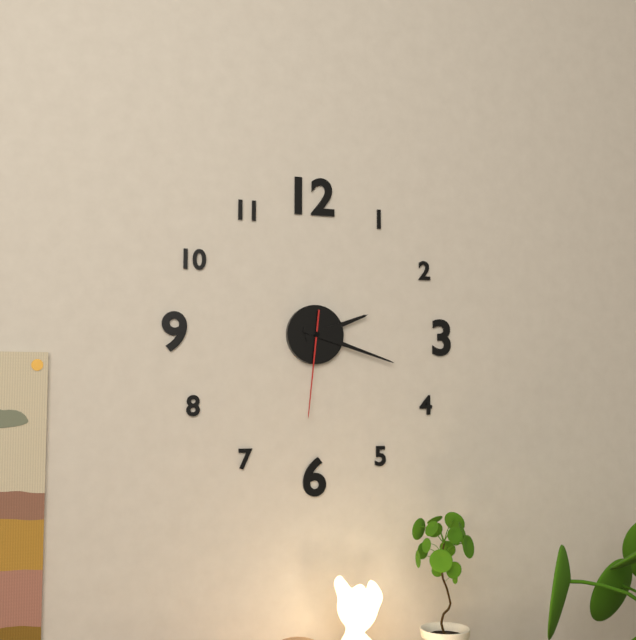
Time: 2h18m31s
